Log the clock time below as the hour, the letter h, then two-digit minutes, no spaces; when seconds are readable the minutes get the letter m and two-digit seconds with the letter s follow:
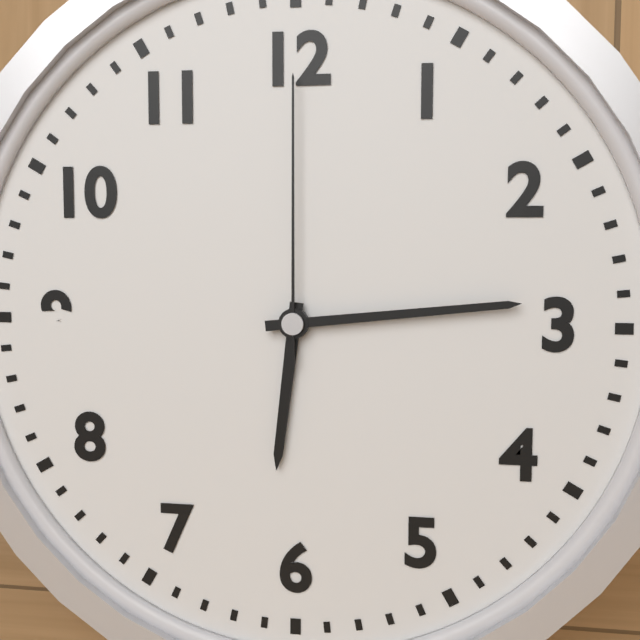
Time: 6h14m00s
